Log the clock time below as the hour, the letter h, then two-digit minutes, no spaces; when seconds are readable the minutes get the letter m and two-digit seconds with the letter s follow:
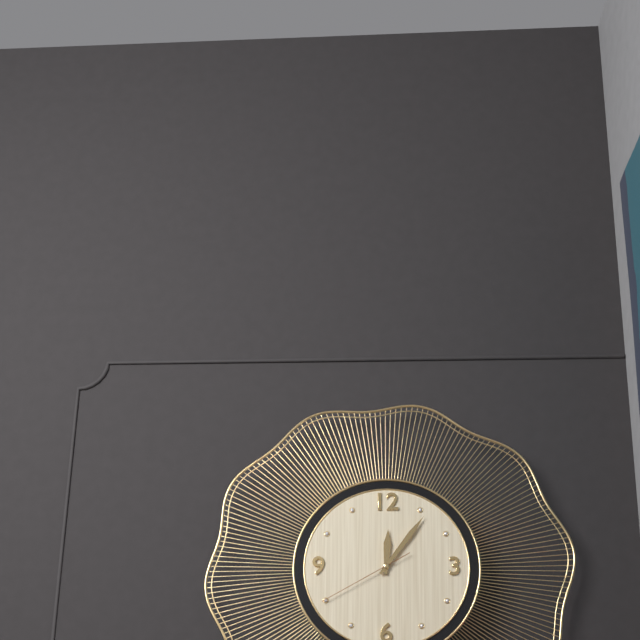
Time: 12h06m40s
